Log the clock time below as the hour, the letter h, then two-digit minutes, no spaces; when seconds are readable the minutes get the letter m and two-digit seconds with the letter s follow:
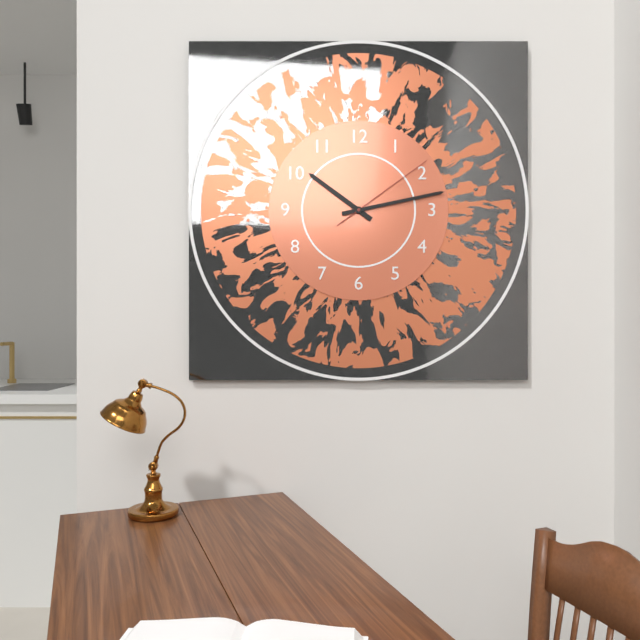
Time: 10h13m09s
